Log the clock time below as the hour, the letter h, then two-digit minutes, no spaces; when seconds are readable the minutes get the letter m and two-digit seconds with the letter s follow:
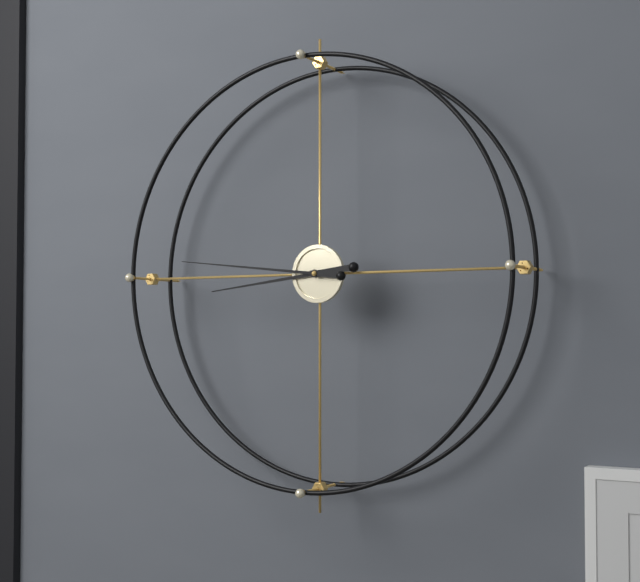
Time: 8h46
